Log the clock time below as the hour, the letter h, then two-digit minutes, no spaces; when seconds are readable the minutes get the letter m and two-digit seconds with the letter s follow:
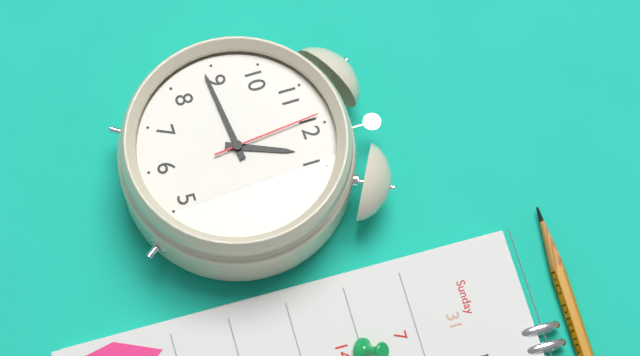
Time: 12h44m59s
